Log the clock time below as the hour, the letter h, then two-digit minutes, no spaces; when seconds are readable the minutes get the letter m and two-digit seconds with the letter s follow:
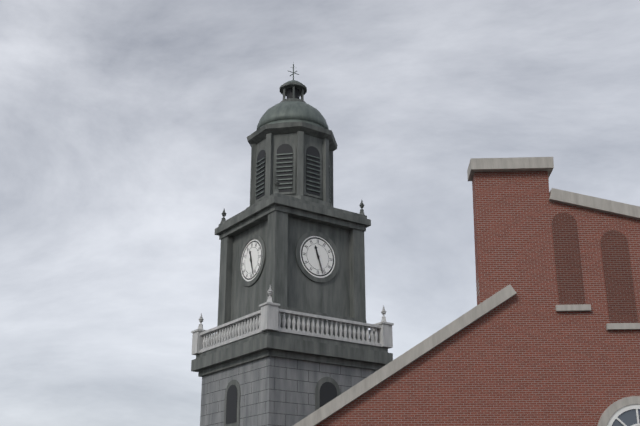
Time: 11h27
